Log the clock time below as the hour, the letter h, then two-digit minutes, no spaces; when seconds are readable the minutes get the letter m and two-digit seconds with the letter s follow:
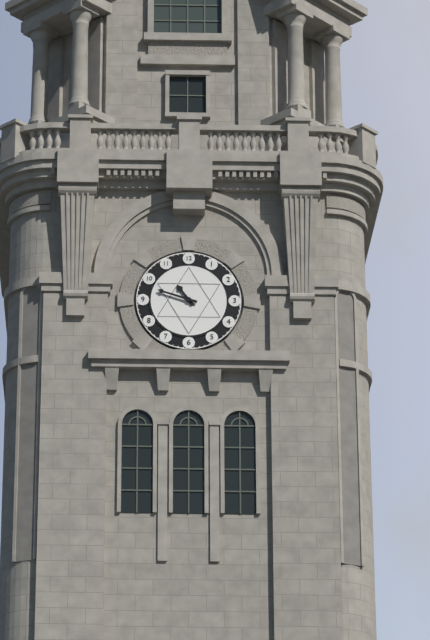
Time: 10h48
